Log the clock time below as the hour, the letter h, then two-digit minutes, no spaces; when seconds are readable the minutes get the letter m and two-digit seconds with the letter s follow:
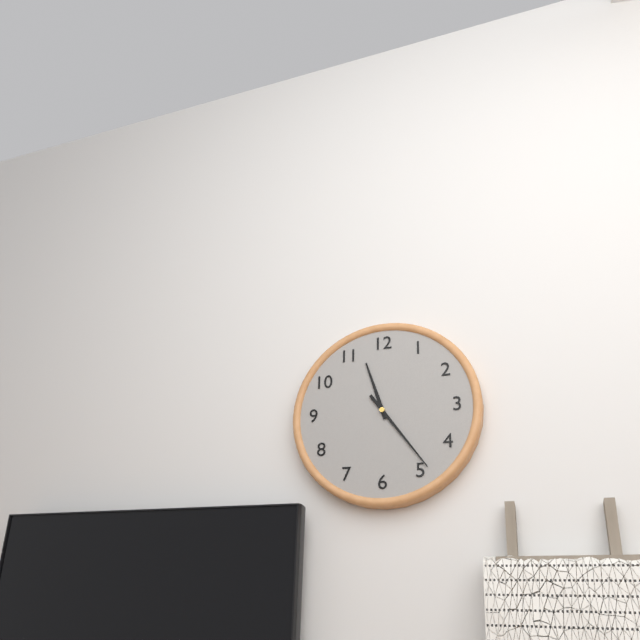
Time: 11h24
